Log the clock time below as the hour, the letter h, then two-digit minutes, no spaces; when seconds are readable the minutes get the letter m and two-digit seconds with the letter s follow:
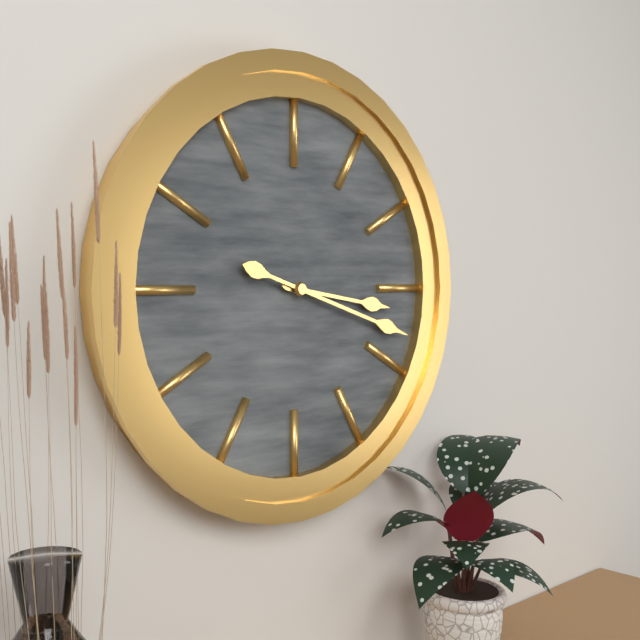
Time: 3h18
